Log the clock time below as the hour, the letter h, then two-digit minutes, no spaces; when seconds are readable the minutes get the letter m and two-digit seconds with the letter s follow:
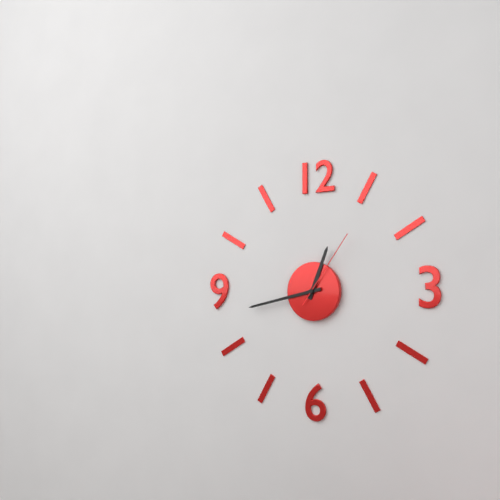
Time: 12h43m06s
